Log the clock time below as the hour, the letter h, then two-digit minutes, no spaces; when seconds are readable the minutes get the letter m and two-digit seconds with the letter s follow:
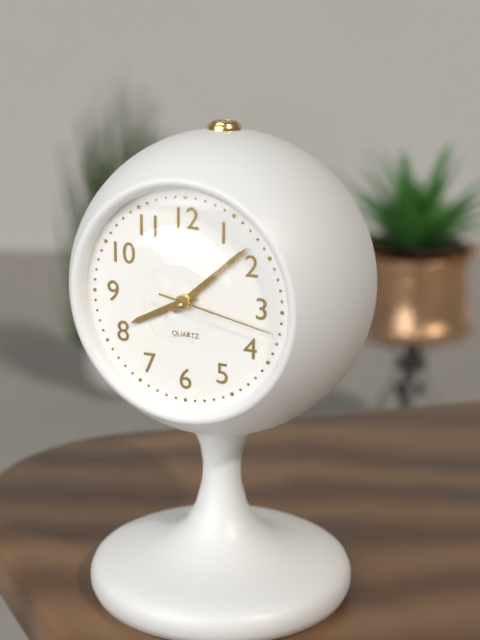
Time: 8h08m17s
